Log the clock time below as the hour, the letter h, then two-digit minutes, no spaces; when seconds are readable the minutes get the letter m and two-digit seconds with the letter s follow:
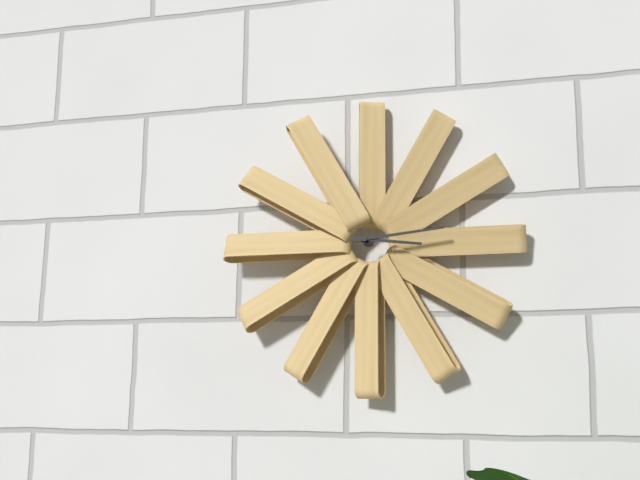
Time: 3h14
